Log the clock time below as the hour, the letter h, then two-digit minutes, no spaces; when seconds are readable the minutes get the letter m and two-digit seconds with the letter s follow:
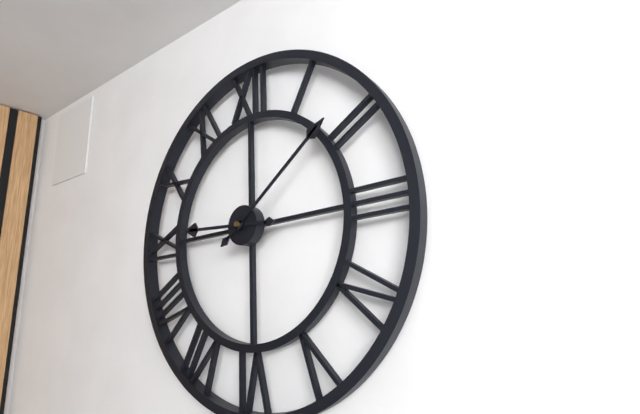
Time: 9h09
